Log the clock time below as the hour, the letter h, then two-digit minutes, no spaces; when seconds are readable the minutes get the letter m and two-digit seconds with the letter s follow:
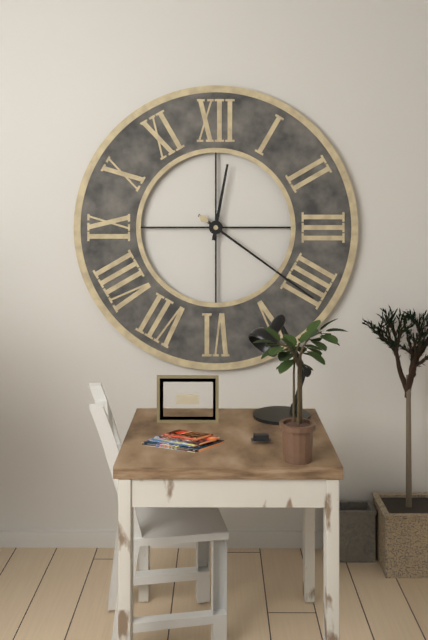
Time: 12h21
